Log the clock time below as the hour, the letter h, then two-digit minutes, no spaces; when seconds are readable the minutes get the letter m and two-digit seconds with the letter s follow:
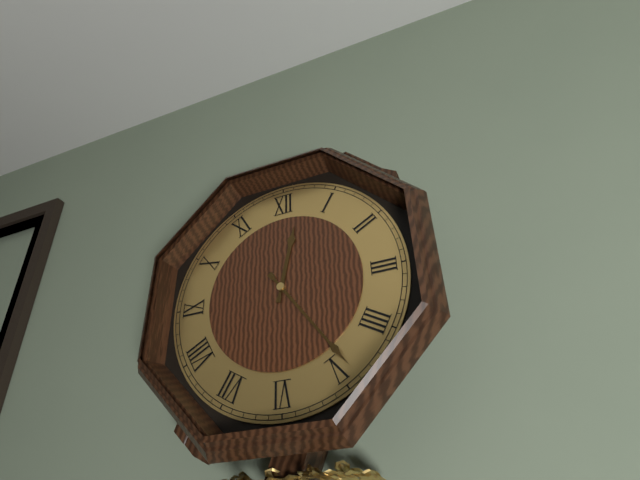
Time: 12h24
